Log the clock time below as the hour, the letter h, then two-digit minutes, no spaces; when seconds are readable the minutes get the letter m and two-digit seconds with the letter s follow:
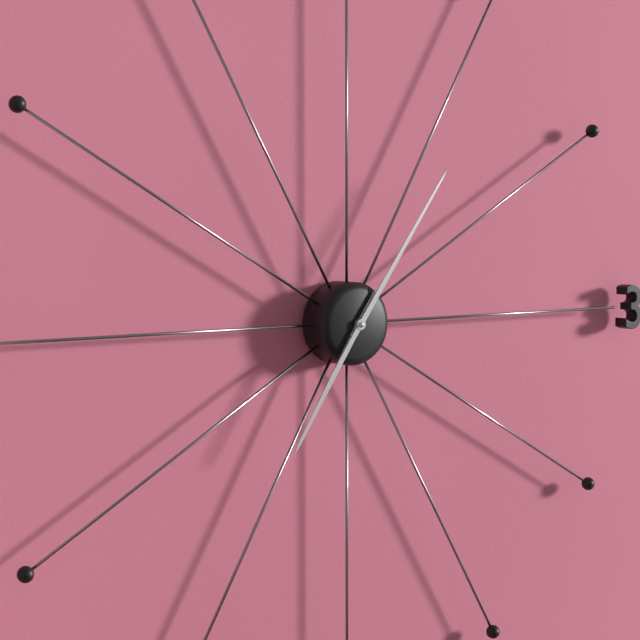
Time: 7h06
